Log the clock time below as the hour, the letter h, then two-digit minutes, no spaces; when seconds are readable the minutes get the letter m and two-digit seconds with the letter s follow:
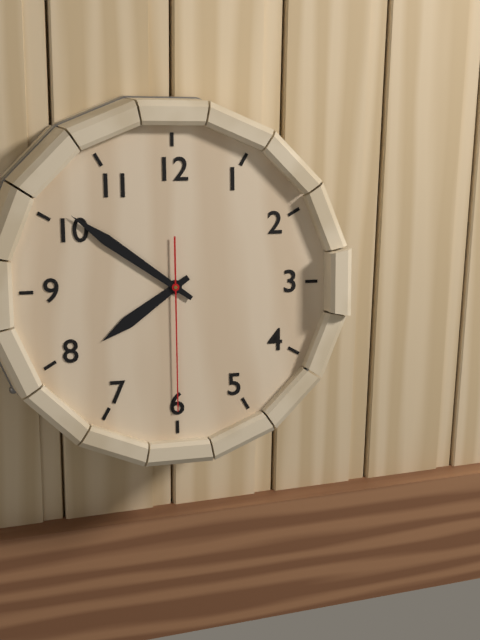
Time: 7h51m30s
